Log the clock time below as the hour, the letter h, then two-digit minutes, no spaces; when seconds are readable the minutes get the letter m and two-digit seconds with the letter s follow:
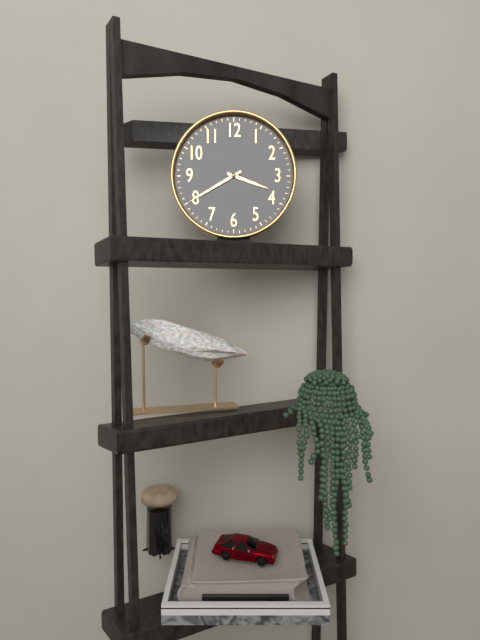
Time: 3h40
